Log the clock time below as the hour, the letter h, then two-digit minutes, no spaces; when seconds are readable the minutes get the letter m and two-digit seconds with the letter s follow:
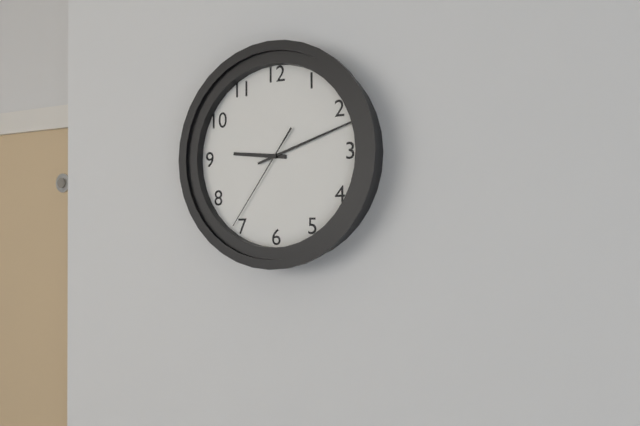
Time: 9h12m36s
